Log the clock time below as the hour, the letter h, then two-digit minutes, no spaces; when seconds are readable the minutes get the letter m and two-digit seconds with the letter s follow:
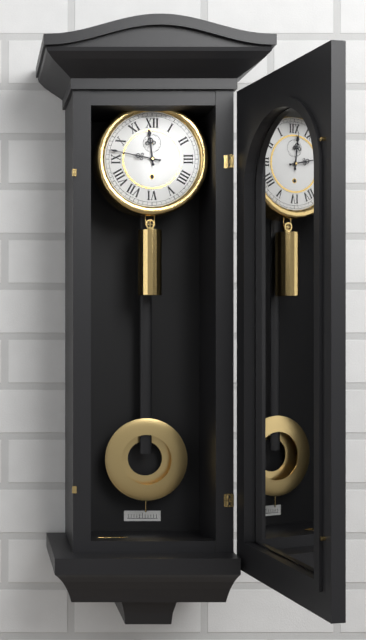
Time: 11h47
